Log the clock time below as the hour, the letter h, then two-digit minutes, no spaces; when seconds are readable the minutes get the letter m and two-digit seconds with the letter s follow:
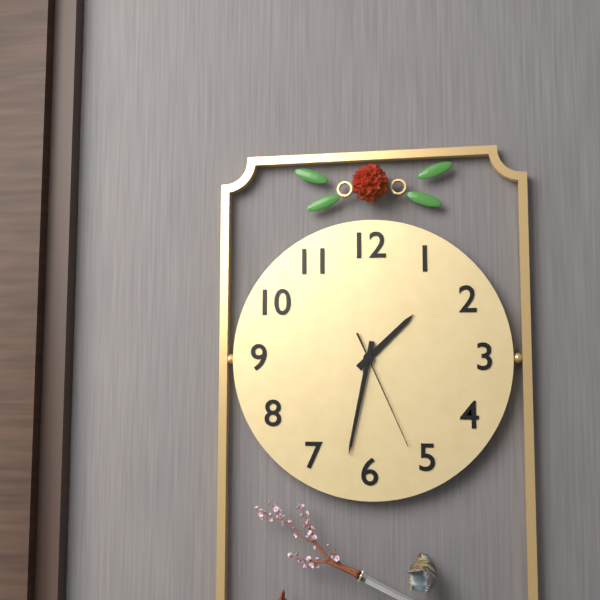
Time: 1h32m26s
